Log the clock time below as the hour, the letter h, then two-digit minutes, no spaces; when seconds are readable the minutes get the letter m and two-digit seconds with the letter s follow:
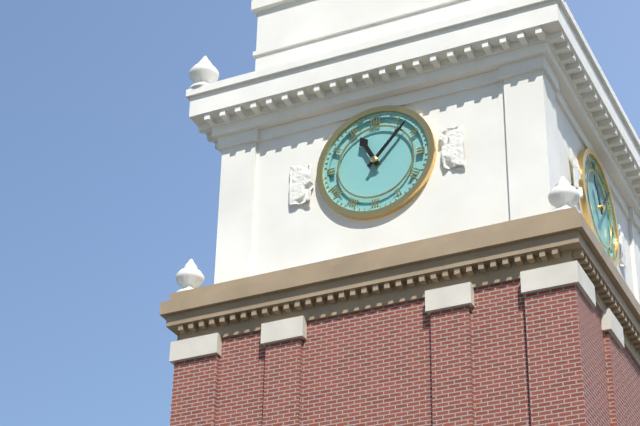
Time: 11h07
